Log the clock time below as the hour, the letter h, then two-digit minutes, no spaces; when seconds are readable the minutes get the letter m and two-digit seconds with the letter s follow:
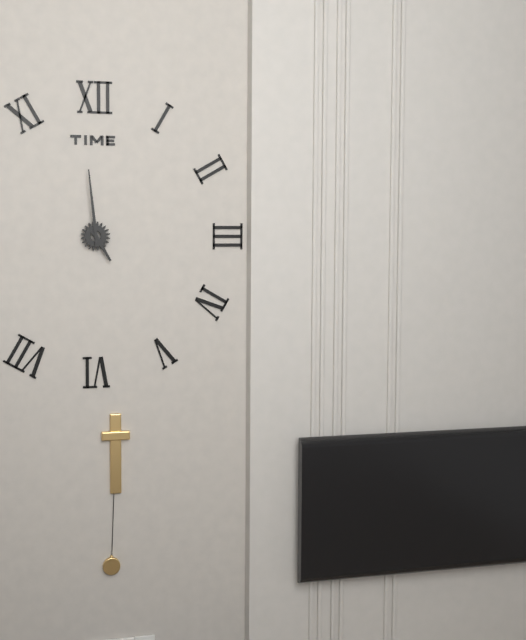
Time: 4h59
